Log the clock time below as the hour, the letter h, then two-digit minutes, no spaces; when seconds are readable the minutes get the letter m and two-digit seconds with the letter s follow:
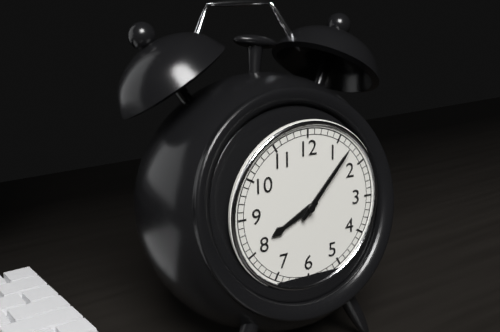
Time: 8h07
